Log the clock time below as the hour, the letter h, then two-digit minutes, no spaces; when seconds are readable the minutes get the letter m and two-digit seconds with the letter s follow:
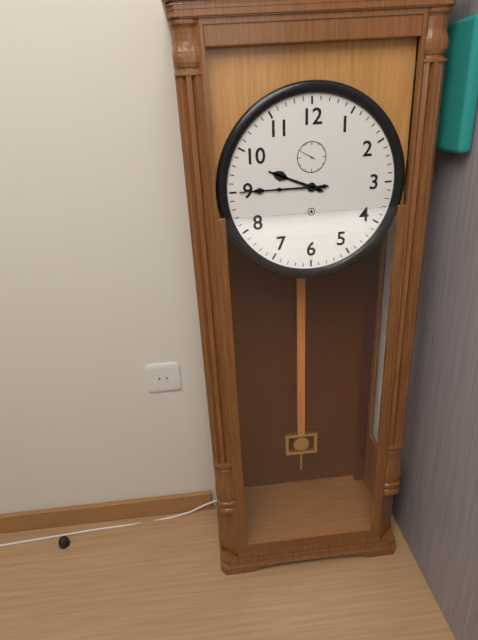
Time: 9h45
